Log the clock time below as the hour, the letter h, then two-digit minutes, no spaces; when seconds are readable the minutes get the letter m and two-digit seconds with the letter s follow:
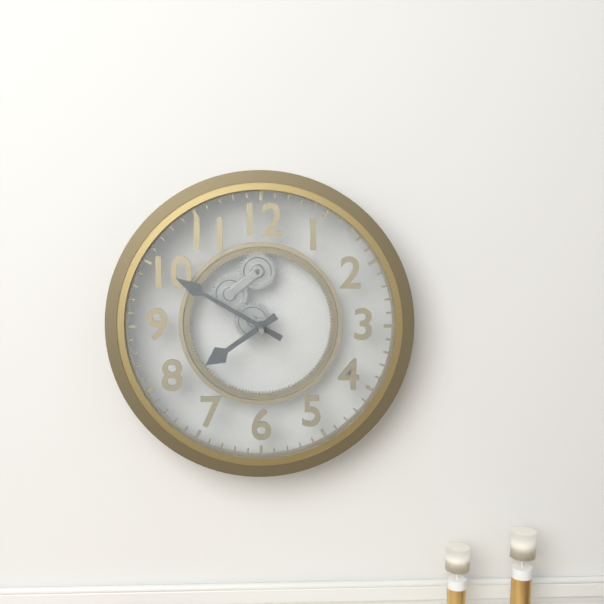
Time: 7h50
